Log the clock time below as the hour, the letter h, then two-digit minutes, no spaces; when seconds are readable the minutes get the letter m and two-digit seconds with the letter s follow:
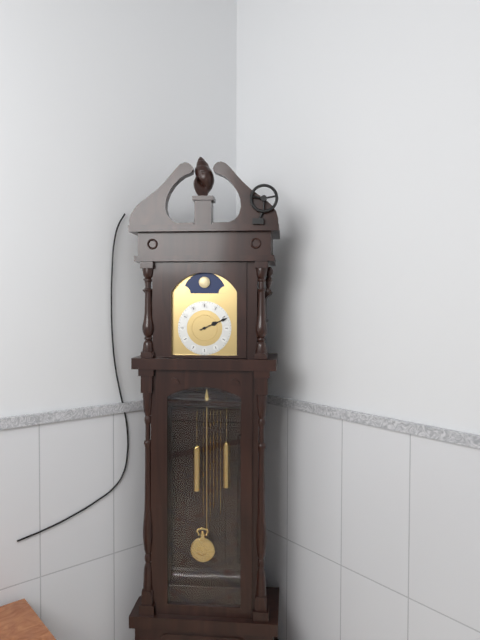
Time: 2h11
